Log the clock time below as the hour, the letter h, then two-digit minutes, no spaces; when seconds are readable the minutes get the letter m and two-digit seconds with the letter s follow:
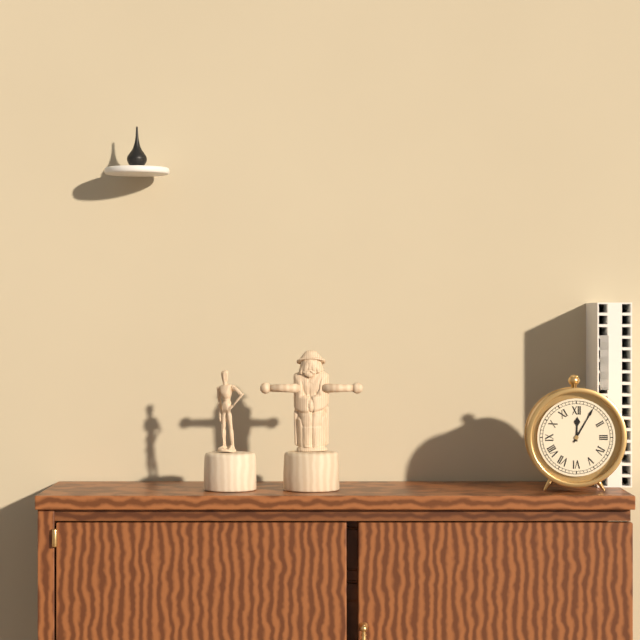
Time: 12h05
